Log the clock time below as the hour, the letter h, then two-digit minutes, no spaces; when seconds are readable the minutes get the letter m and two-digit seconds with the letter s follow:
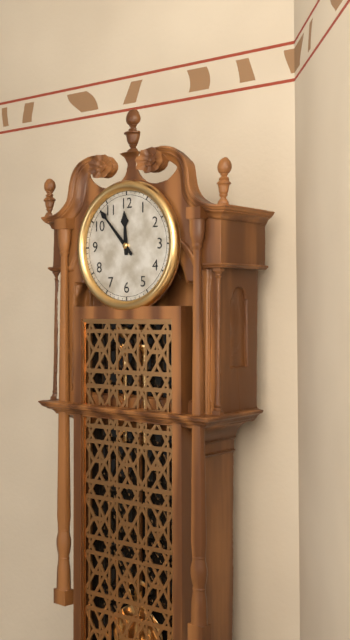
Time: 11h53
